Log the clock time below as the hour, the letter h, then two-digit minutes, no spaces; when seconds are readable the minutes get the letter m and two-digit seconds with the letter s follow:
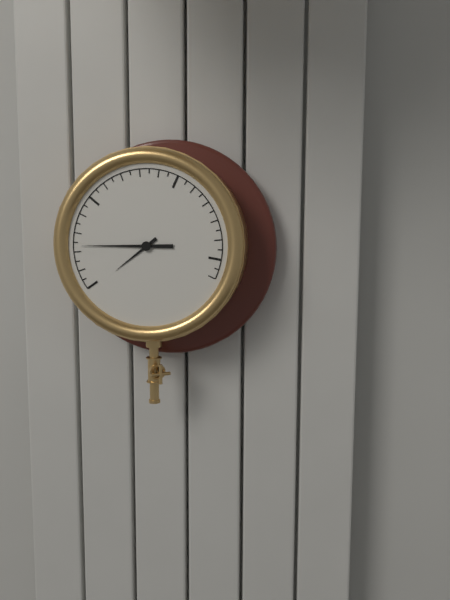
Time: 7h45
